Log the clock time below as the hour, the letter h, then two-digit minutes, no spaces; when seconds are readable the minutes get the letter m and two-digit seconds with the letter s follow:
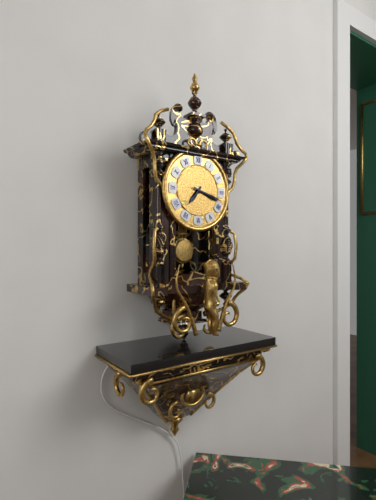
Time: 7h18
